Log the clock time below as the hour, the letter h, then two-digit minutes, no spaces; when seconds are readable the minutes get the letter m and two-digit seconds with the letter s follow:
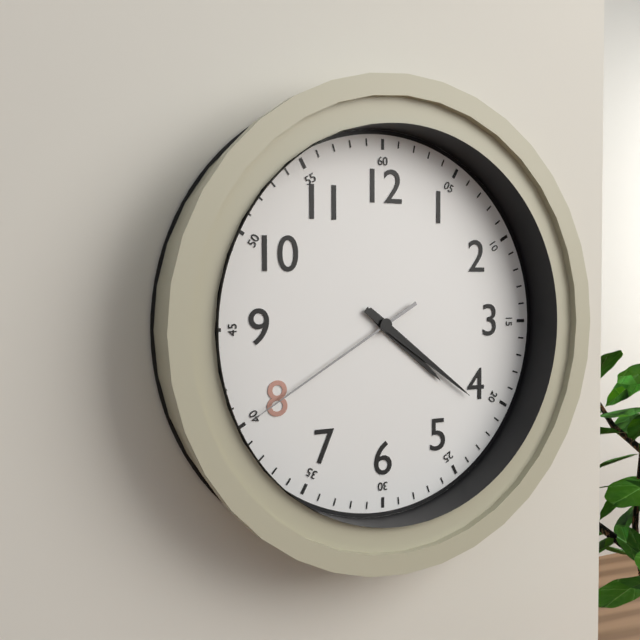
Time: 4h21m40s
